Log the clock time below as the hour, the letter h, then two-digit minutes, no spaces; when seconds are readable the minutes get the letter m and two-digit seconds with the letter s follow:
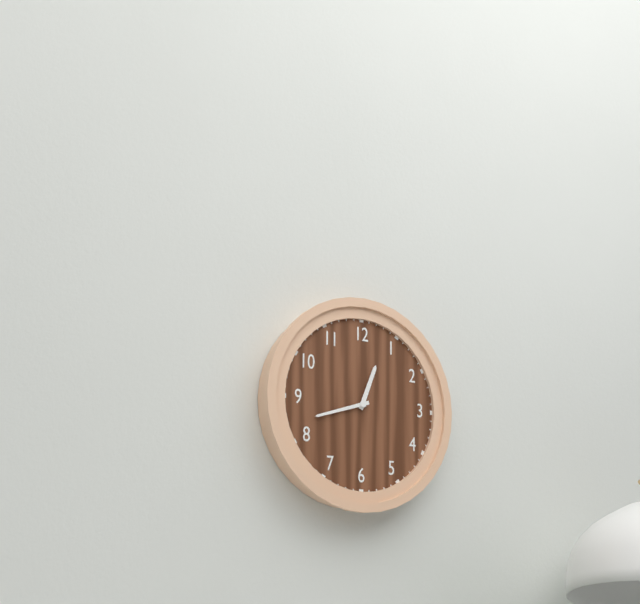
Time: 12h42
